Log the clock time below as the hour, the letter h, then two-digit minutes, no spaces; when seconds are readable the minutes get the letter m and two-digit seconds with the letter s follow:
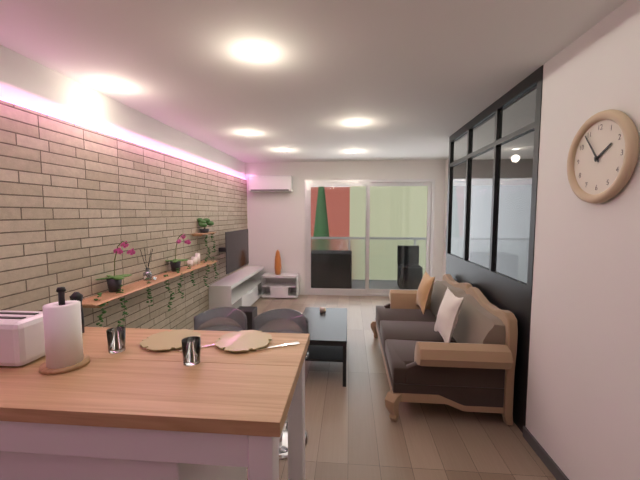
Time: 1h54
